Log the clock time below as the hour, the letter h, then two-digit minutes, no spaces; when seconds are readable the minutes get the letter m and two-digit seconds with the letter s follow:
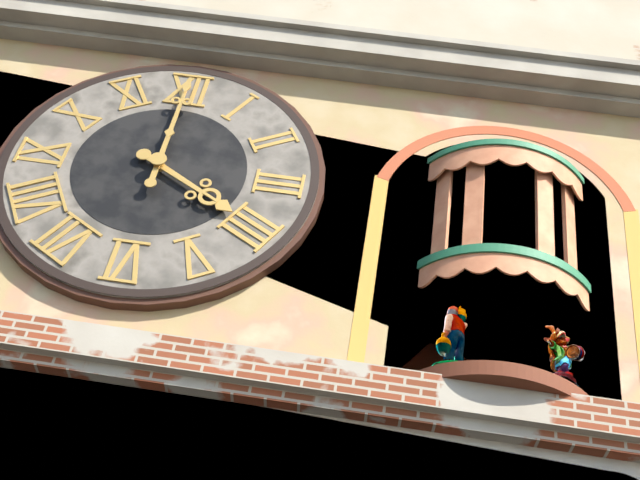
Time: 4h00
